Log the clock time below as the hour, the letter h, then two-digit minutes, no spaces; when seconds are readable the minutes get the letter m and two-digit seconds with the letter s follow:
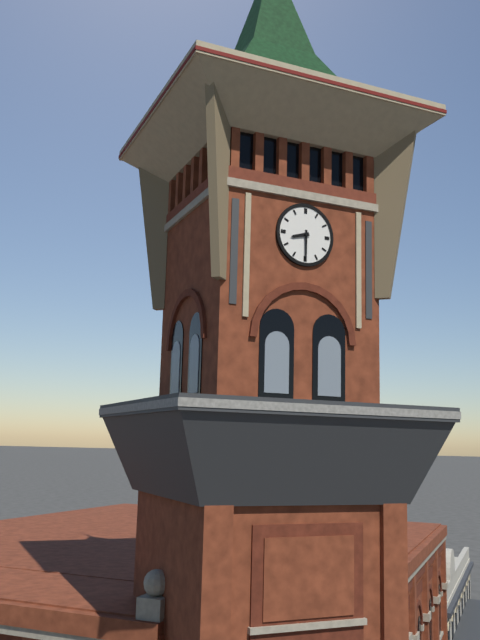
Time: 8h30
